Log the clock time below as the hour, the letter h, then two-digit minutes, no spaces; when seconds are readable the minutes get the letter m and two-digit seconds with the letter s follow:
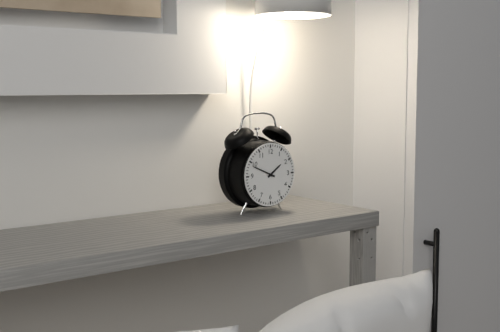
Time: 1h49
